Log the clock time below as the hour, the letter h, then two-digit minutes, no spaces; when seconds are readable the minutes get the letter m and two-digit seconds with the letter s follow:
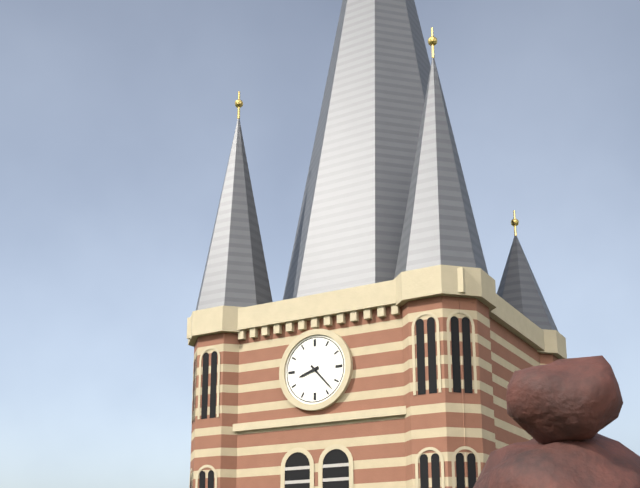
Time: 8h23
